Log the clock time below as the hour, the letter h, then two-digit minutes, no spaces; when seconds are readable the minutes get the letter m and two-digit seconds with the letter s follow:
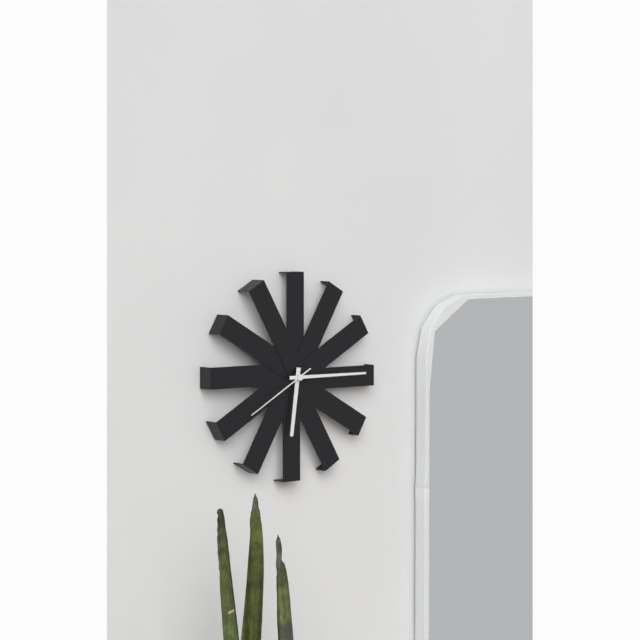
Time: 6h15m40s
